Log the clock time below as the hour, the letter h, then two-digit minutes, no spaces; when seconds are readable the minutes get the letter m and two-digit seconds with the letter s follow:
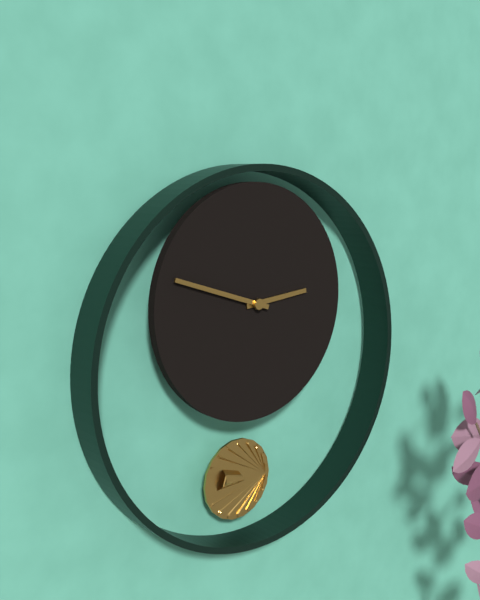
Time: 2h48
